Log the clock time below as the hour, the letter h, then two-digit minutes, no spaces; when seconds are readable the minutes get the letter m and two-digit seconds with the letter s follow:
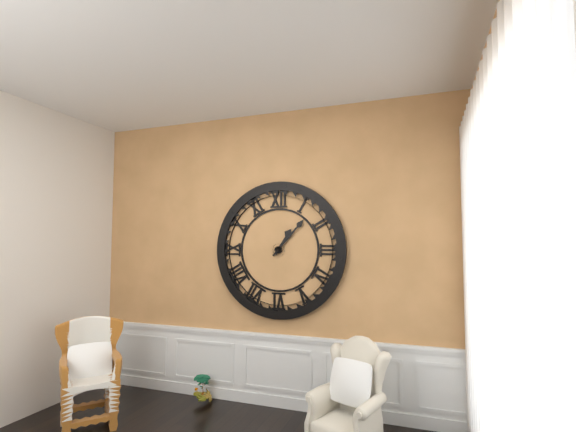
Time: 1h07
